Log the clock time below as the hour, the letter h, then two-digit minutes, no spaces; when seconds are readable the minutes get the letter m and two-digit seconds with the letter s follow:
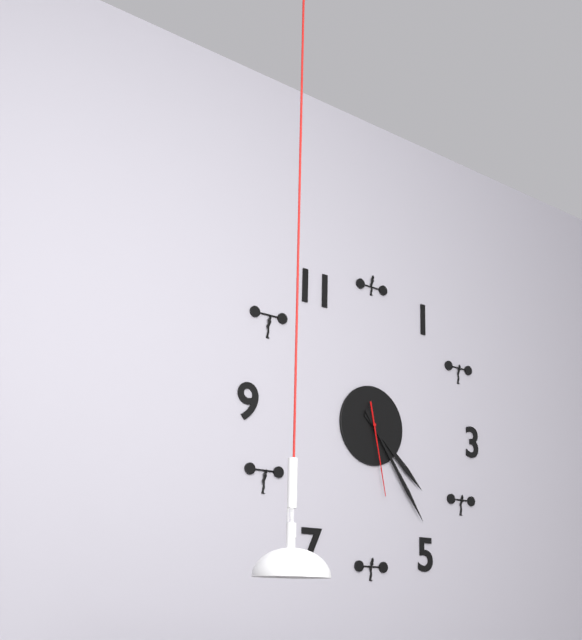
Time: 4h24m28s
